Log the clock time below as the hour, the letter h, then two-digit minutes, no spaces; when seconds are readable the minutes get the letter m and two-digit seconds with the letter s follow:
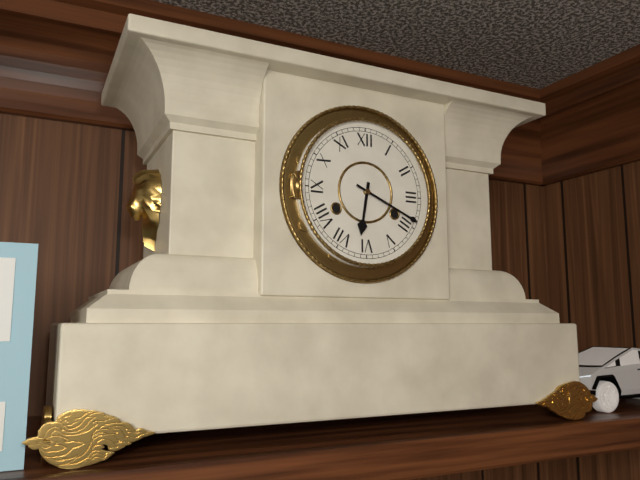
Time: 6h19
